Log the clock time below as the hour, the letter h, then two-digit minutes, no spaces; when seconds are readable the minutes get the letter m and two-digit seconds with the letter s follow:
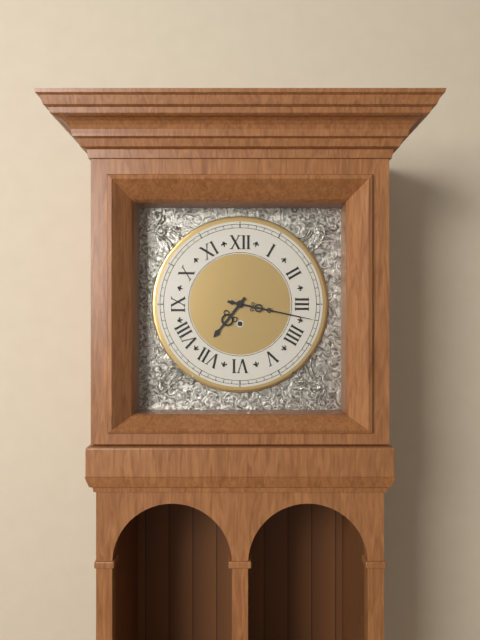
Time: 7h17
